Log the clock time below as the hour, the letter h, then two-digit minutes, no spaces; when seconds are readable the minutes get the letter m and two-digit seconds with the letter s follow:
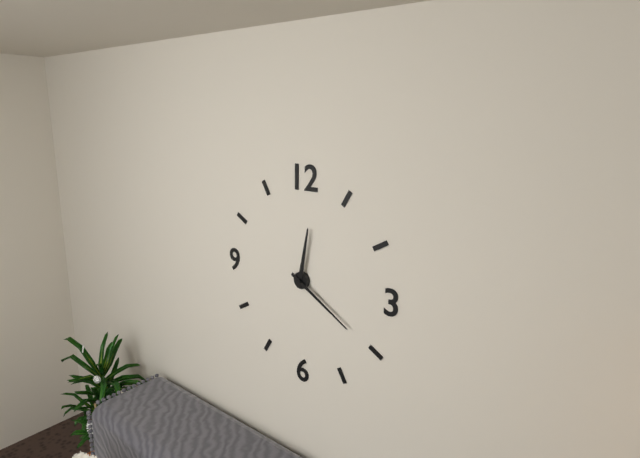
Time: 12h20
